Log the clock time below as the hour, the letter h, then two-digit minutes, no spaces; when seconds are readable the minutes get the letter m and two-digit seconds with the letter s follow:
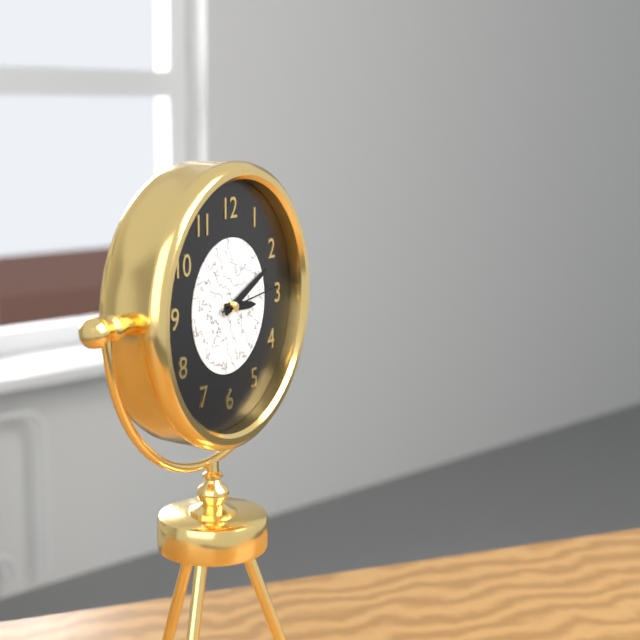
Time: 3h11m14s
